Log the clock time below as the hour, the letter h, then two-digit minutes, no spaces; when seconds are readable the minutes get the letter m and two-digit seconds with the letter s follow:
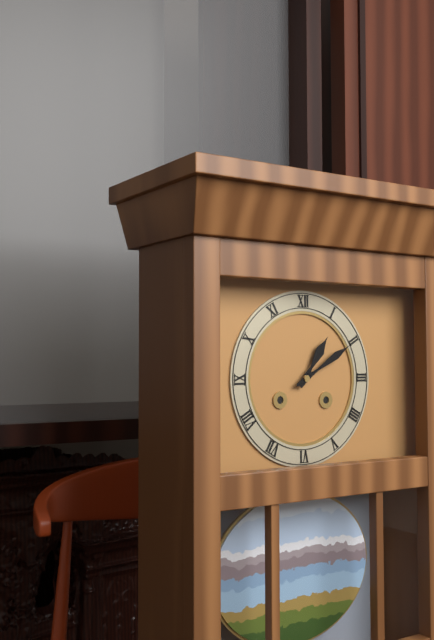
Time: 1h10
